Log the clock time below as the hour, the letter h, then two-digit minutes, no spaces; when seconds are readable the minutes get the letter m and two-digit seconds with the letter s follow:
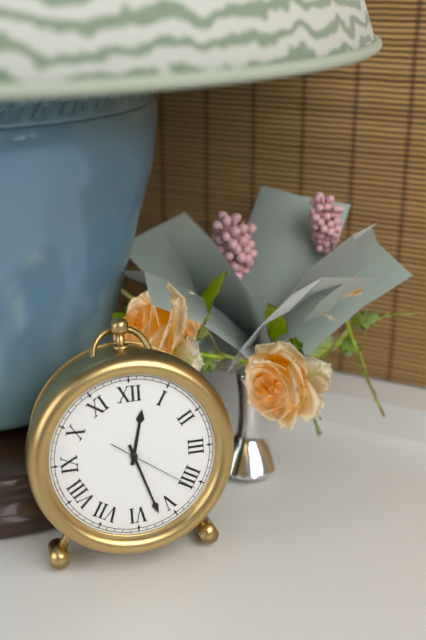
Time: 12h27m21s
